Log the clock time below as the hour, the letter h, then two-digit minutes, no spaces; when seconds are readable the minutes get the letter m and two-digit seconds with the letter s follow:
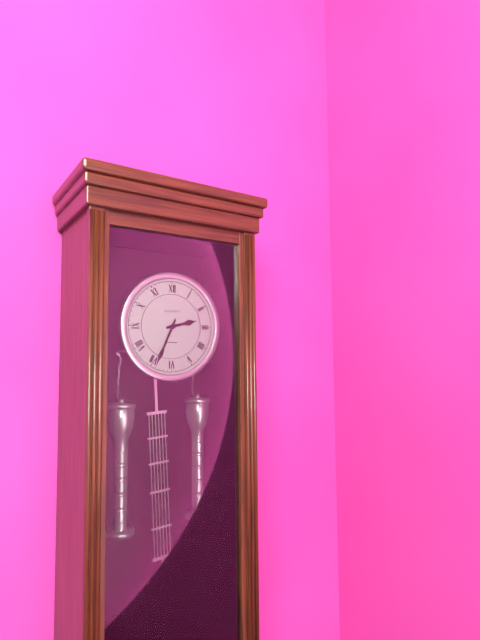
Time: 2h34
